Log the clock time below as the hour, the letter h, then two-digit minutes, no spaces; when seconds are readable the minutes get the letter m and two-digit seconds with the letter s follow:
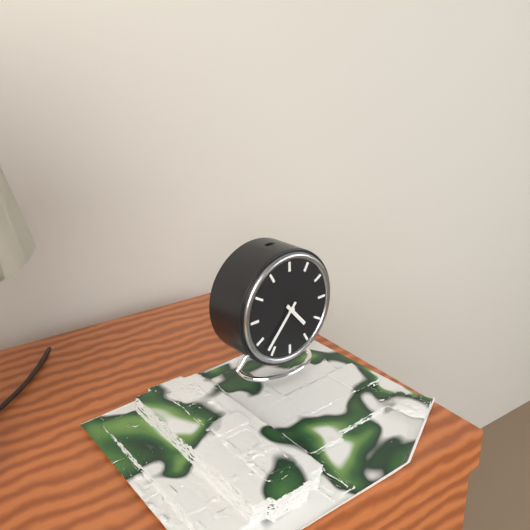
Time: 4h37
